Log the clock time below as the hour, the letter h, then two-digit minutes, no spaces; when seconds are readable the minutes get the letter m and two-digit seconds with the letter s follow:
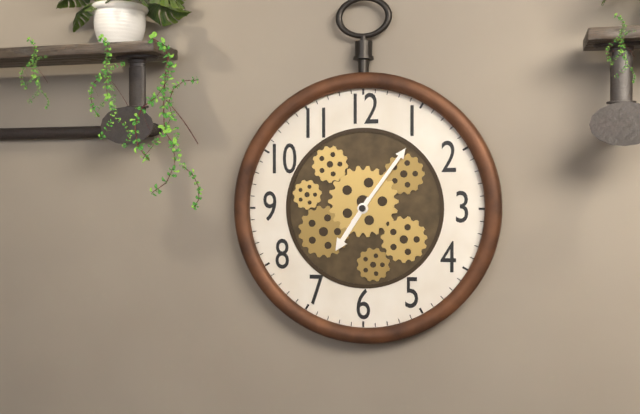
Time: 7h06
